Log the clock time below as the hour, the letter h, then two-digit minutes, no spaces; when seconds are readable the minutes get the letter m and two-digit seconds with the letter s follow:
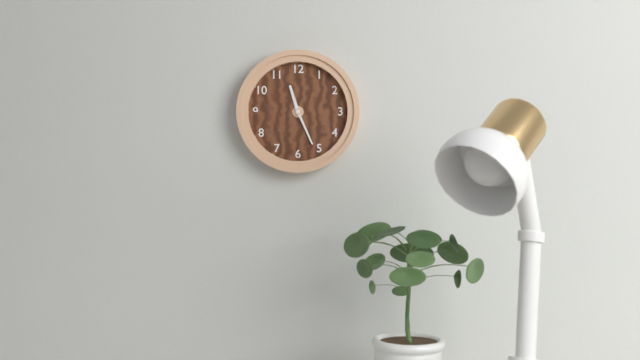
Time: 11h26
